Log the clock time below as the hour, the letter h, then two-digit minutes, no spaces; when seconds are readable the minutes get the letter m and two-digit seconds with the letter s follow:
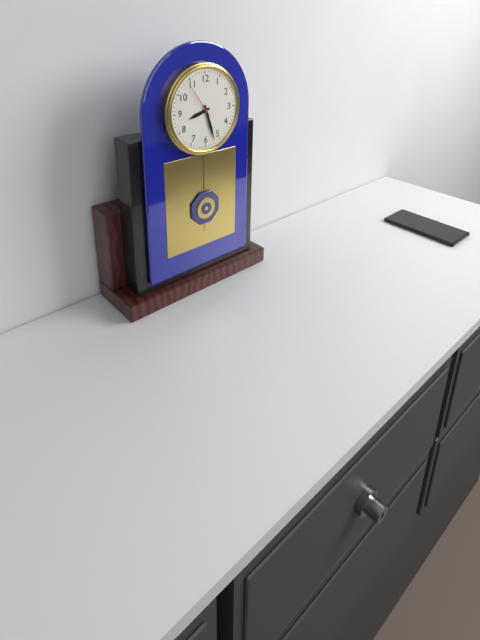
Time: 8h27
